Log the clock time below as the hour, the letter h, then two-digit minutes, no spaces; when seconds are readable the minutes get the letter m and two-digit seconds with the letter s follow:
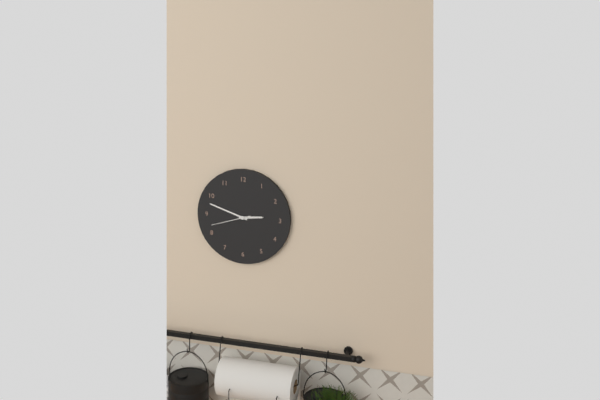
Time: 2h48
